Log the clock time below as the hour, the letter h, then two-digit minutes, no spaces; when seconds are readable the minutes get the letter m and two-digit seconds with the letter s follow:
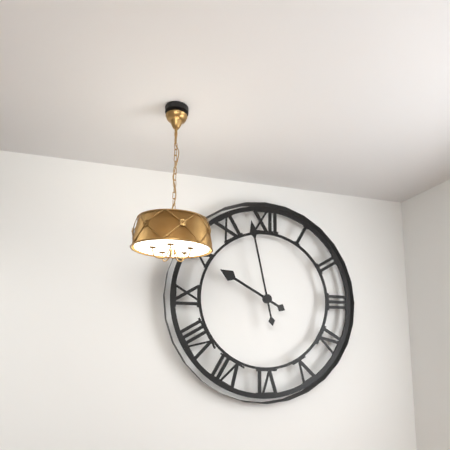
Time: 9h58
